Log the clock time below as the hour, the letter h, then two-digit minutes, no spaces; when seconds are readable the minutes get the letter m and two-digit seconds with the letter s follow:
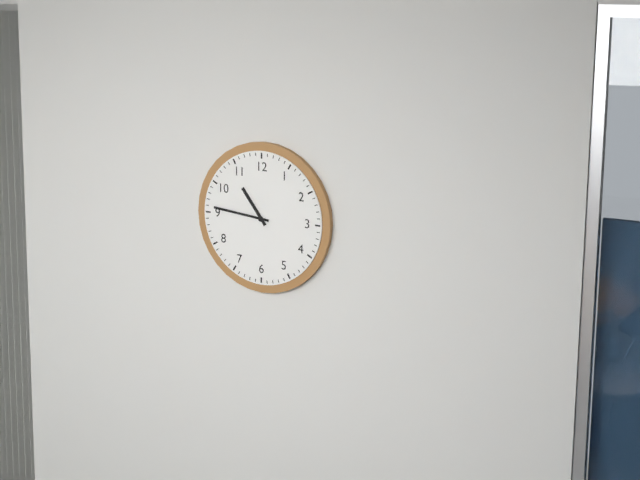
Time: 10h46
